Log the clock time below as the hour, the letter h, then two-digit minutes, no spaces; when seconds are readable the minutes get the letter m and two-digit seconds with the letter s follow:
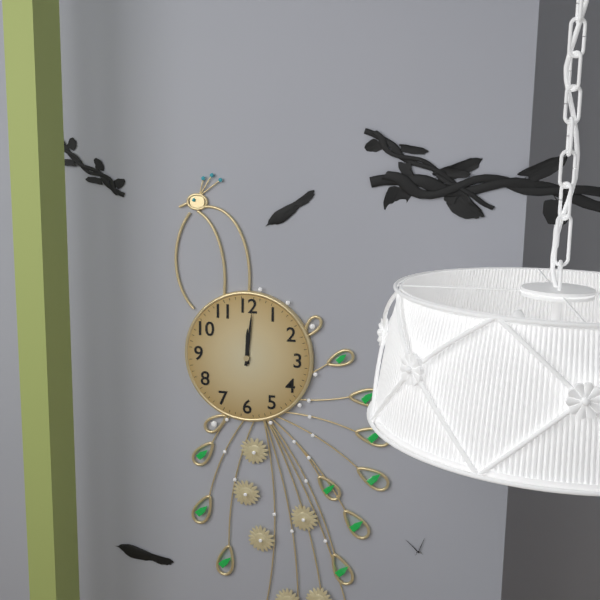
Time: 12h01
